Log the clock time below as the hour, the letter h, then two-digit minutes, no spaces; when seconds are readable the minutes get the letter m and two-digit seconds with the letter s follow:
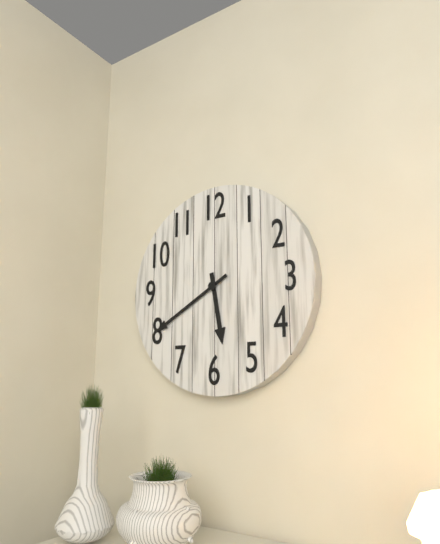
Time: 5h40
